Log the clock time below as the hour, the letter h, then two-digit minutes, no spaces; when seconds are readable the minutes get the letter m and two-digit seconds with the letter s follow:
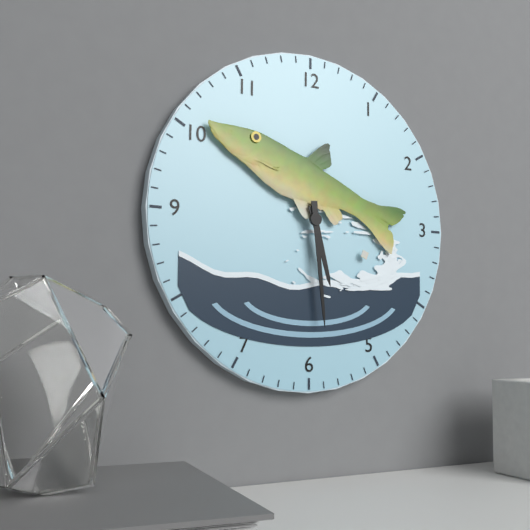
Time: 5h29
